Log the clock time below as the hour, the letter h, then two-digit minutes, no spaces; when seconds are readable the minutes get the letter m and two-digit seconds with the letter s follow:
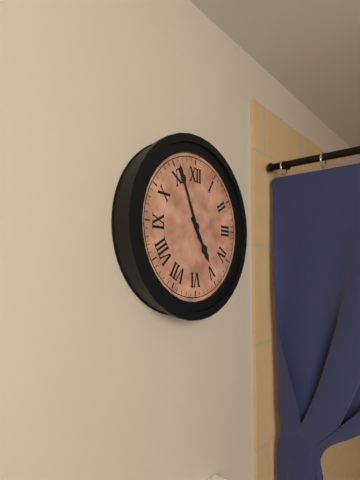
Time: 4h56
